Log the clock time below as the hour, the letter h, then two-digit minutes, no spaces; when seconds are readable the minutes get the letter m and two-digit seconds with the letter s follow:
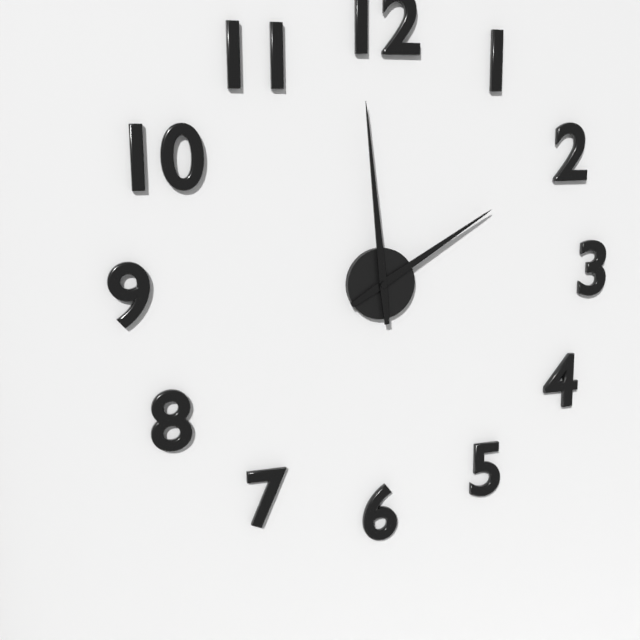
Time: 1h59
